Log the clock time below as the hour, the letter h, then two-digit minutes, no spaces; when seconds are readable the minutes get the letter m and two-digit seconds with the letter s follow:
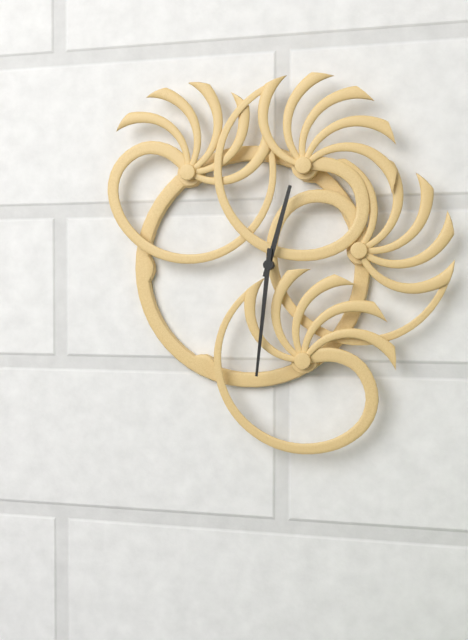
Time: 12h31
